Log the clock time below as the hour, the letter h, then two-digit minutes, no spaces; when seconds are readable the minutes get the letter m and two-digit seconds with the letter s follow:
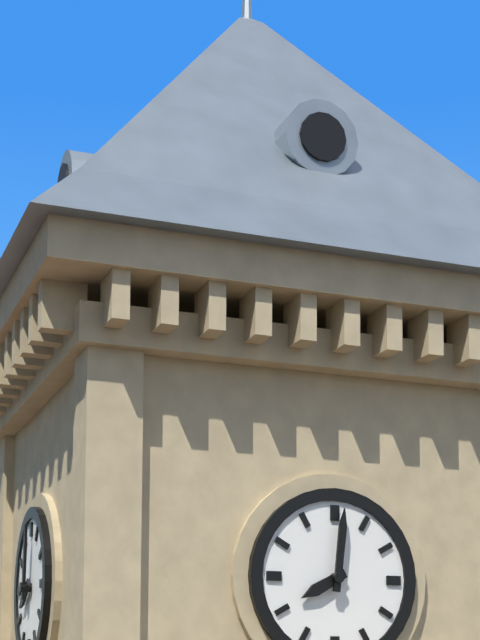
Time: 8h01
